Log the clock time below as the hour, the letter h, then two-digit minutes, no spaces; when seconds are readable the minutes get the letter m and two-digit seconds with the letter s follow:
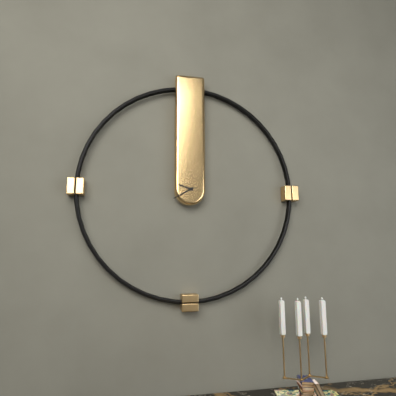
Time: 9h40
